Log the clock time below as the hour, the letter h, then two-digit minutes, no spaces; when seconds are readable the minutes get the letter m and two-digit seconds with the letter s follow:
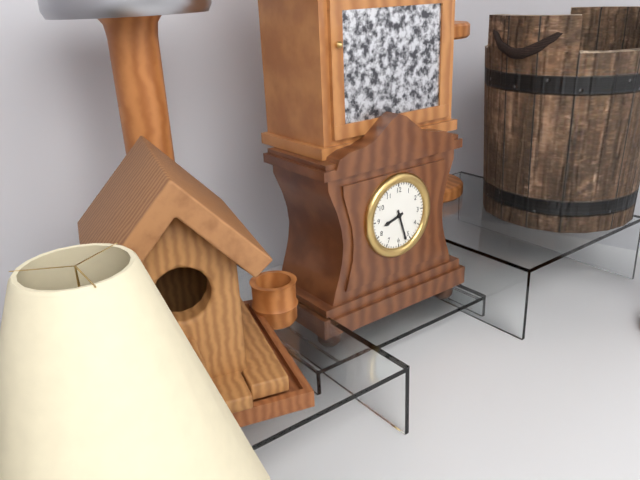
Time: 8h27
